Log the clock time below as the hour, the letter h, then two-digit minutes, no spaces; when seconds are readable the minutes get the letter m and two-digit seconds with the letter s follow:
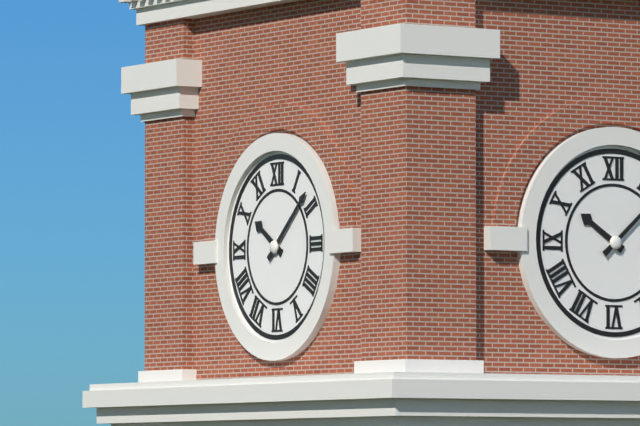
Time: 10h08
